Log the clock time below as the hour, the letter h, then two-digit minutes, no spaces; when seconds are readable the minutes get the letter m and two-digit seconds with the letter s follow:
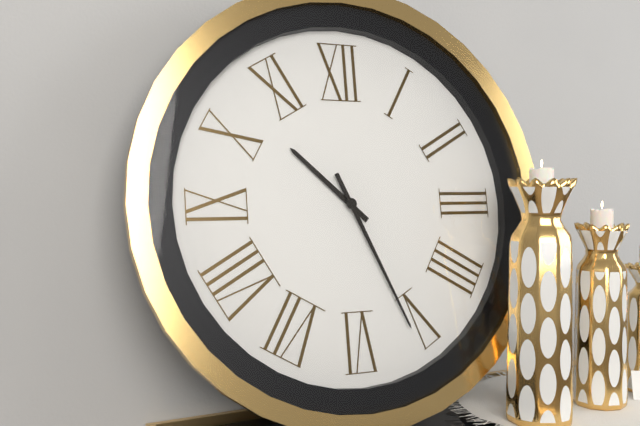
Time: 10h26
